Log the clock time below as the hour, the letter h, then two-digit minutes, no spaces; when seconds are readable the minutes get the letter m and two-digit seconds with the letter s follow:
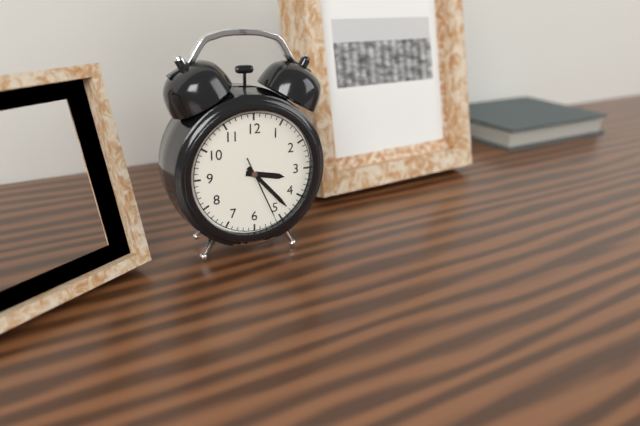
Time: 3h23m26s
